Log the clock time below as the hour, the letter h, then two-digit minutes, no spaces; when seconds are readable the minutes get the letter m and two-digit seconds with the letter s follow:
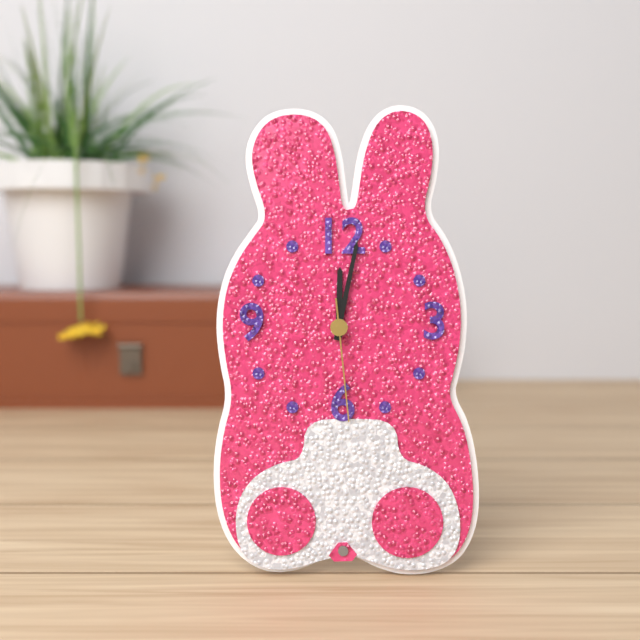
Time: 12h02m29s
